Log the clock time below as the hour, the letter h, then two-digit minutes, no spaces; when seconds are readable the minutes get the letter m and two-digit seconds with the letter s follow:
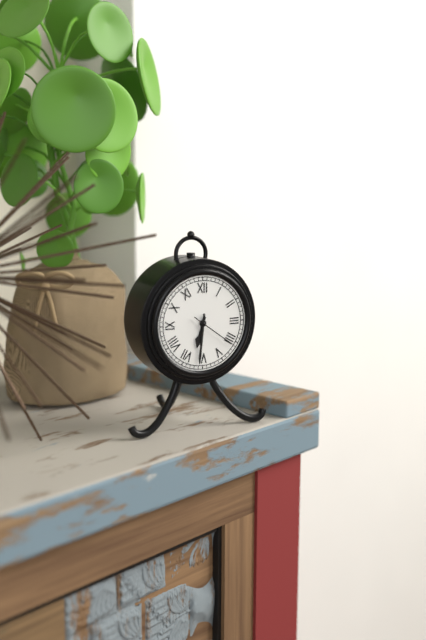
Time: 6h31m21s
